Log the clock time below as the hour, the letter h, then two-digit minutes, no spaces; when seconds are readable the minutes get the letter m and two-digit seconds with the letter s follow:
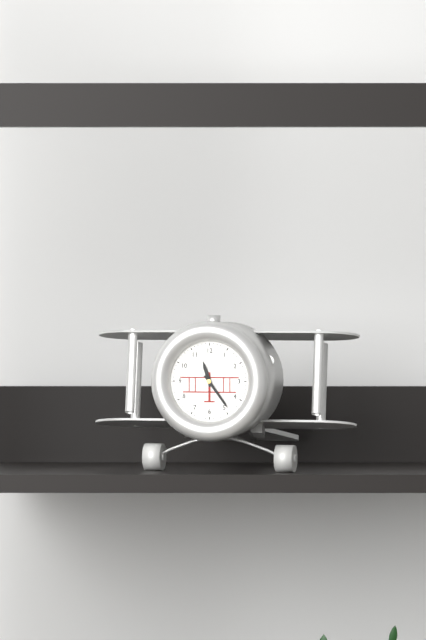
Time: 11h24
